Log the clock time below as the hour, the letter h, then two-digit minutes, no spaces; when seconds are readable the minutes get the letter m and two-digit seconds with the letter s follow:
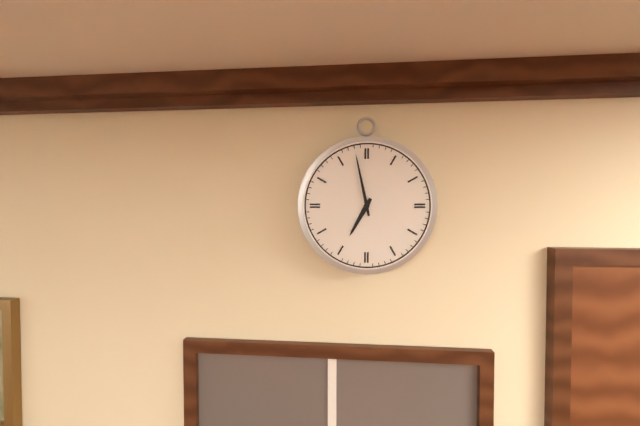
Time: 6h58
